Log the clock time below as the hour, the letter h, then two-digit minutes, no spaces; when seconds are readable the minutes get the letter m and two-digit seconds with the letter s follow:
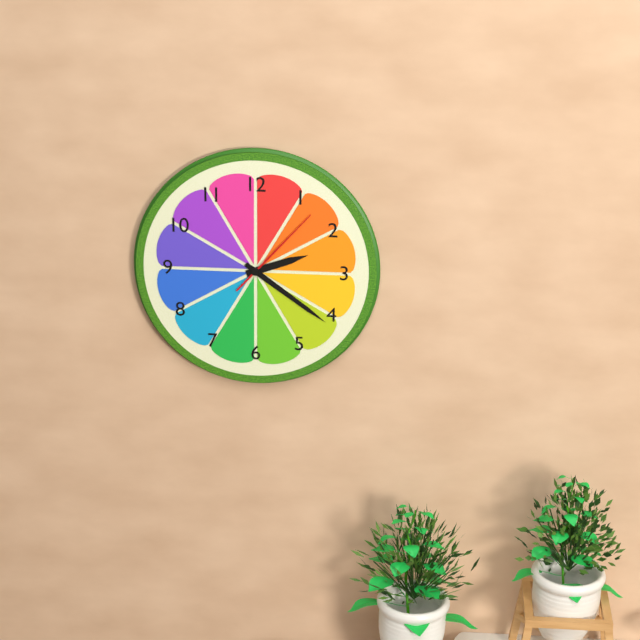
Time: 2h21m07s
